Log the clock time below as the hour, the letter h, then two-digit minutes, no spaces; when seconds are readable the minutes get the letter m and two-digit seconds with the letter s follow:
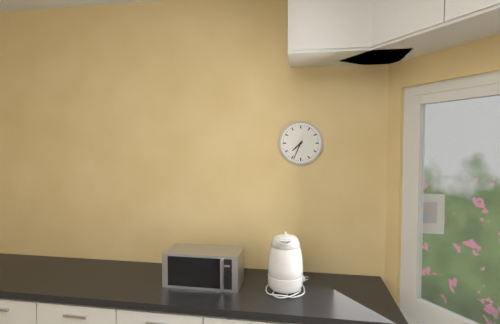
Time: 7h34
